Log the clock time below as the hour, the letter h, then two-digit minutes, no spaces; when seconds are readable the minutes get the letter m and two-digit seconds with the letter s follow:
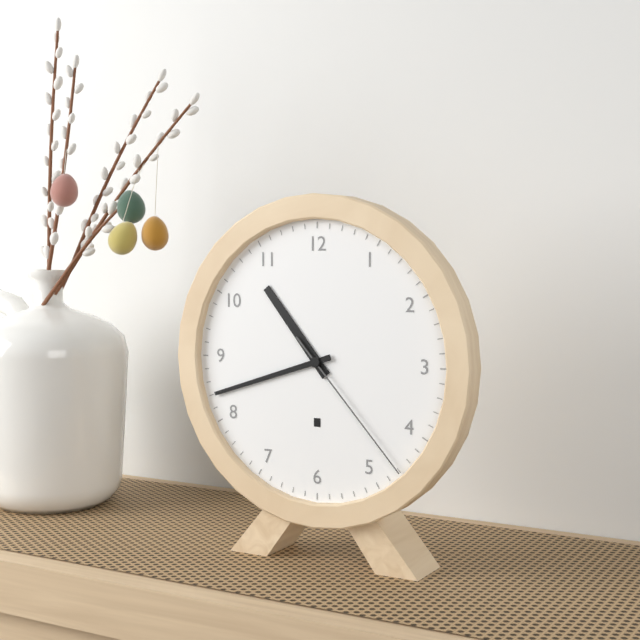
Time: 10h42m23s
